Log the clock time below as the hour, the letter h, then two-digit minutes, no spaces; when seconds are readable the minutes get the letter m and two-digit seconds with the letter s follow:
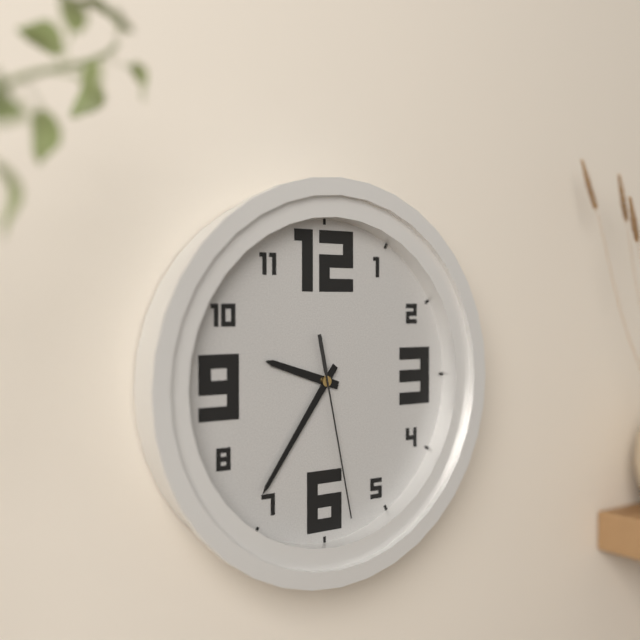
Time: 9h36m28s
